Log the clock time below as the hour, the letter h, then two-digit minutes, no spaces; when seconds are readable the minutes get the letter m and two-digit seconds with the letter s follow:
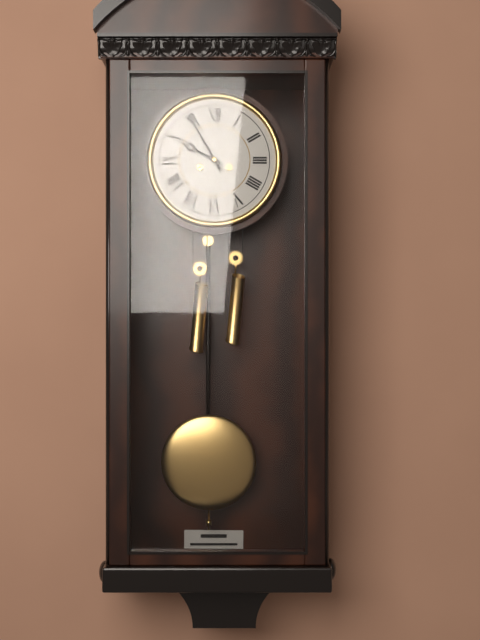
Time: 9h55
